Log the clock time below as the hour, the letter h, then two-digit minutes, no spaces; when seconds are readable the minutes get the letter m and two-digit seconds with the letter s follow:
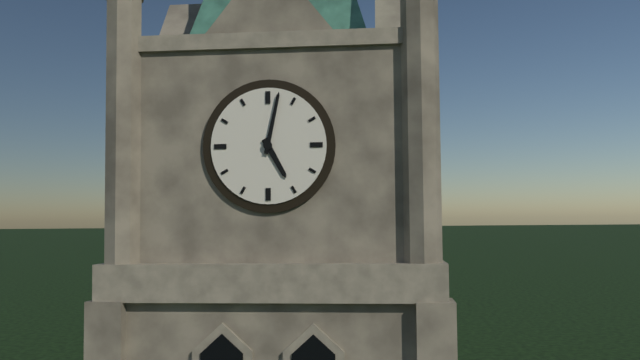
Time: 5h02
